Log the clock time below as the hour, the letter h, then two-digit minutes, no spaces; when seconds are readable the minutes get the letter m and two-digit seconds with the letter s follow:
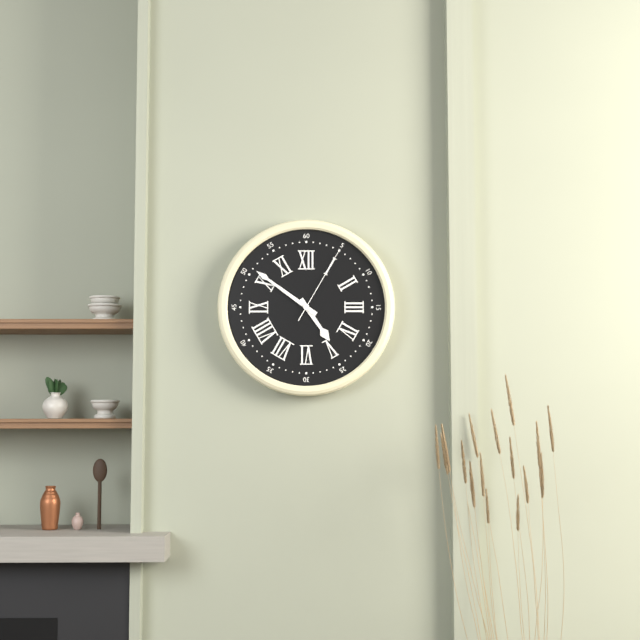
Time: 4h51m05s
